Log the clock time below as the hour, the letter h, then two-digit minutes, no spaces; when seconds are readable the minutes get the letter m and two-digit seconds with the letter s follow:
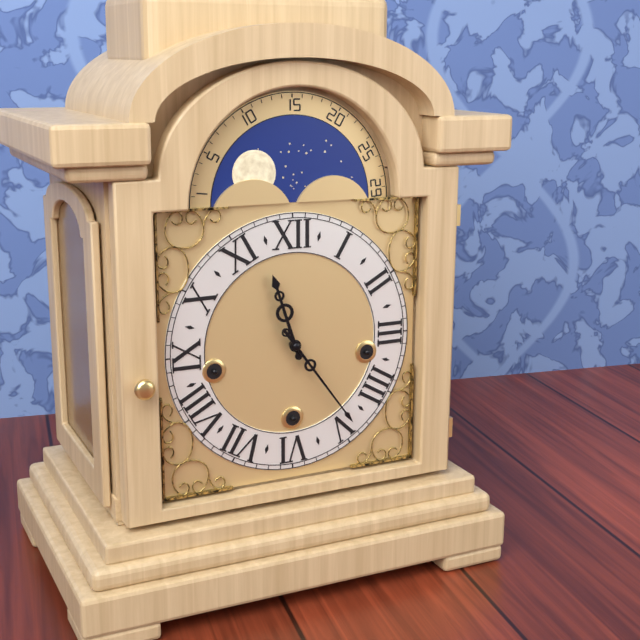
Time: 11h24
